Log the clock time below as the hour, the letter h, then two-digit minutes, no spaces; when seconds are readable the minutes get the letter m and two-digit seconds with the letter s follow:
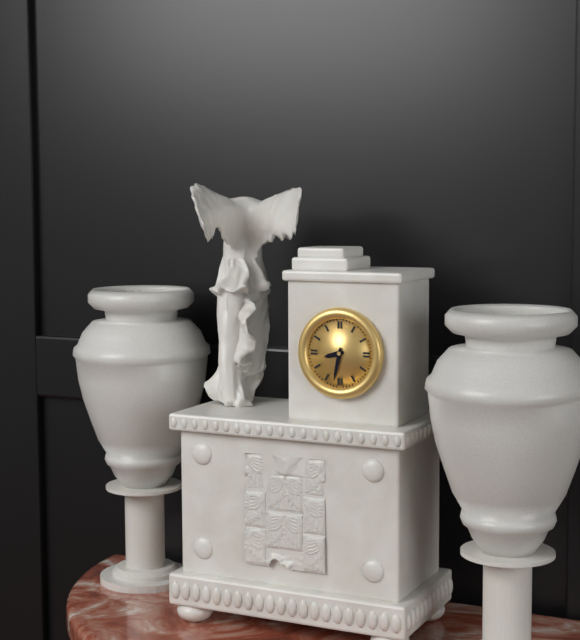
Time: 8h32
